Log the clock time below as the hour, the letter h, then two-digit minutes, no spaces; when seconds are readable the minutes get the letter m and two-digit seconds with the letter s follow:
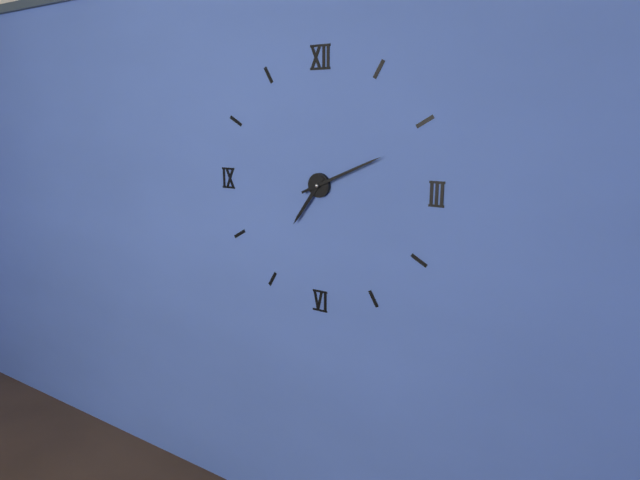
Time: 7h11
